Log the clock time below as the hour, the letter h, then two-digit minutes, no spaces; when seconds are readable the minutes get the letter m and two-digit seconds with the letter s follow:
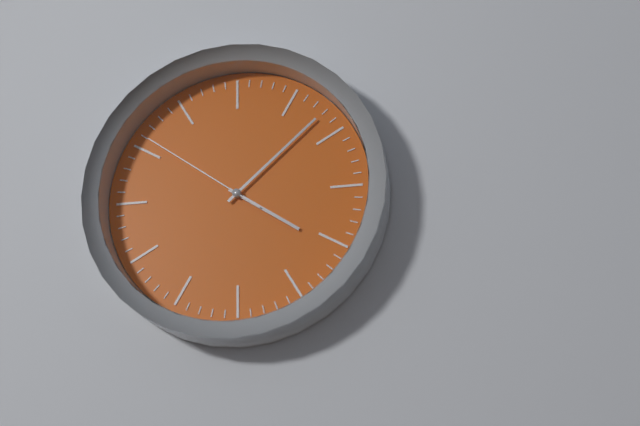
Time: 4h08m51s
